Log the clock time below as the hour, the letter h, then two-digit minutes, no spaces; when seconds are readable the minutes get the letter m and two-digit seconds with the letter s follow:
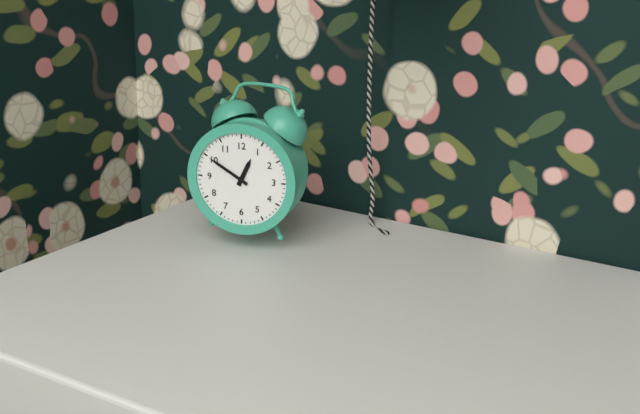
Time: 12h50
